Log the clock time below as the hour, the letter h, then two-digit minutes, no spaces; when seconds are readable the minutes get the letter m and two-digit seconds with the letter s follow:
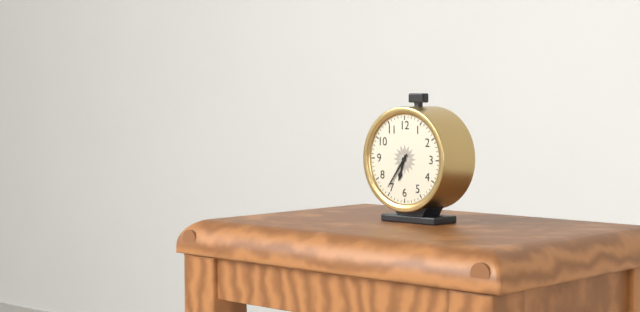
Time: 6h36
